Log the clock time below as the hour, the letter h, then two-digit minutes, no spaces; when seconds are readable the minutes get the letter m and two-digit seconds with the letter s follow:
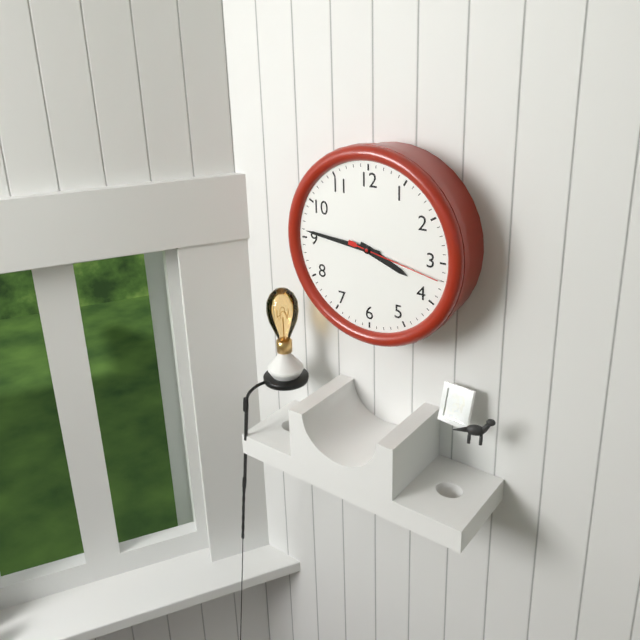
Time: 3h46m17s
